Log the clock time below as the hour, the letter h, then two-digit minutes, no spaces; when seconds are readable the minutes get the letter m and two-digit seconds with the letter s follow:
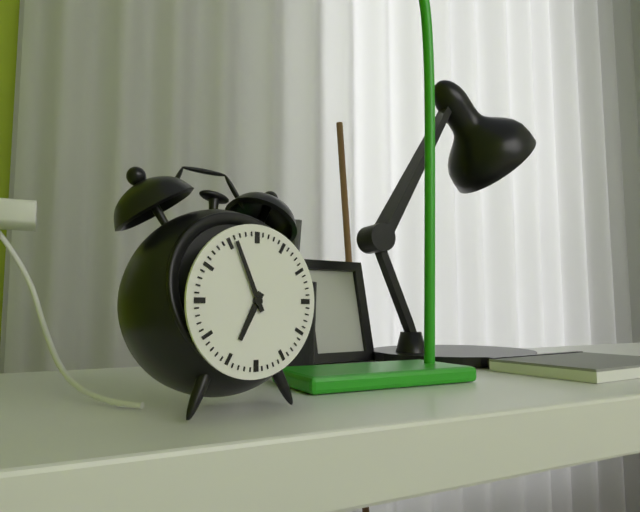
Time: 6h56
